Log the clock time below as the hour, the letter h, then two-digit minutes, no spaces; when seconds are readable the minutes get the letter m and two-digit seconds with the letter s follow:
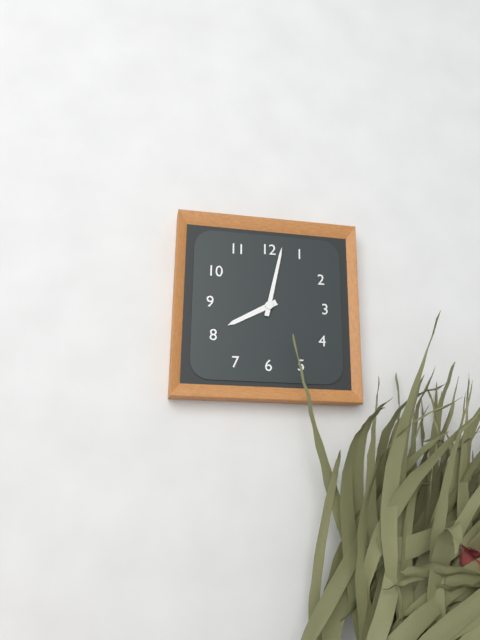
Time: 8h02
